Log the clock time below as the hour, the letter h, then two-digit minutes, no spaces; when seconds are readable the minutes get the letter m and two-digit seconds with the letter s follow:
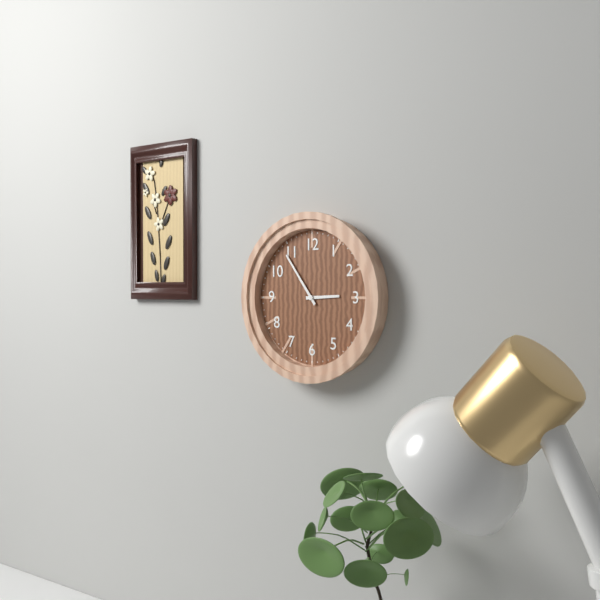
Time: 2h54
